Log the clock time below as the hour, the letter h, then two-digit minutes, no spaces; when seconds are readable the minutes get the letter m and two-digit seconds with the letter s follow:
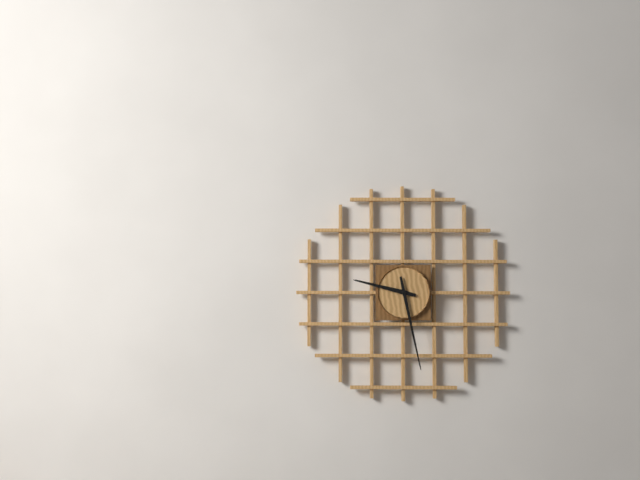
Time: 9h28
